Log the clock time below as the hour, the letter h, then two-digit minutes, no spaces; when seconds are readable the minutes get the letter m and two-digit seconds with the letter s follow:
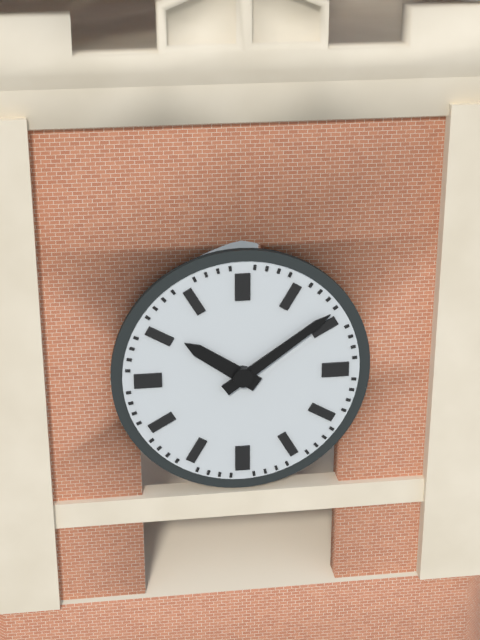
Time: 10h09
